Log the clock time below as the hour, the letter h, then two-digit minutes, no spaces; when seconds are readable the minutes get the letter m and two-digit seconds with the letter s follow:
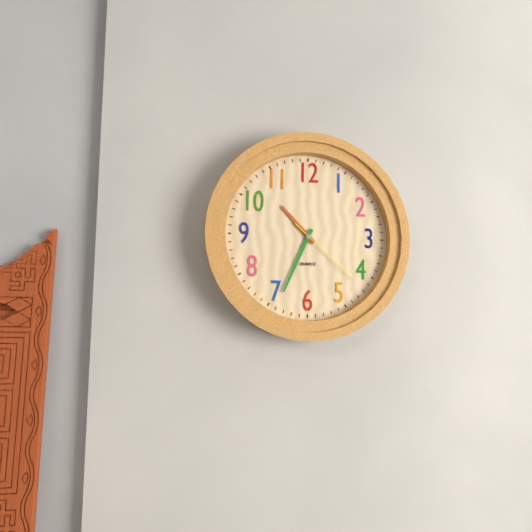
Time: 10h34m22s
